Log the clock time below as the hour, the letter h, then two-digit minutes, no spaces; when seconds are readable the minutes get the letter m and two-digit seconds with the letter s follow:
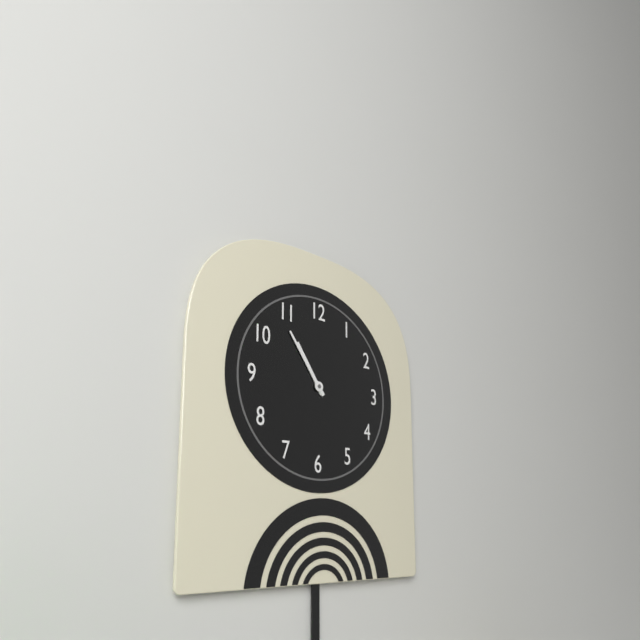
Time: 10h54
